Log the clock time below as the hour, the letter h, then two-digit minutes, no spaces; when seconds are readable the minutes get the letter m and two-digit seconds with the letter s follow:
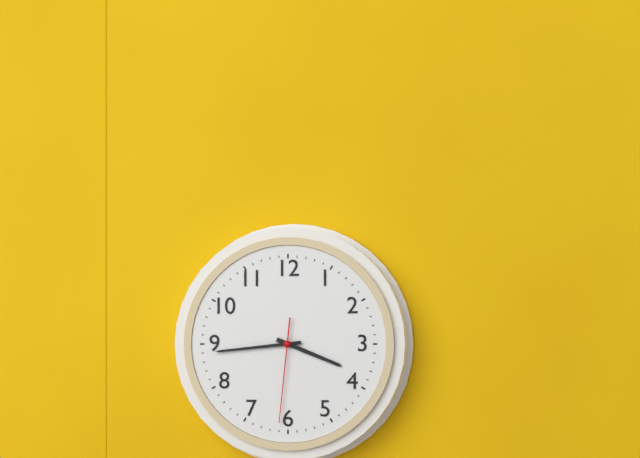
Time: 3h44m31s
